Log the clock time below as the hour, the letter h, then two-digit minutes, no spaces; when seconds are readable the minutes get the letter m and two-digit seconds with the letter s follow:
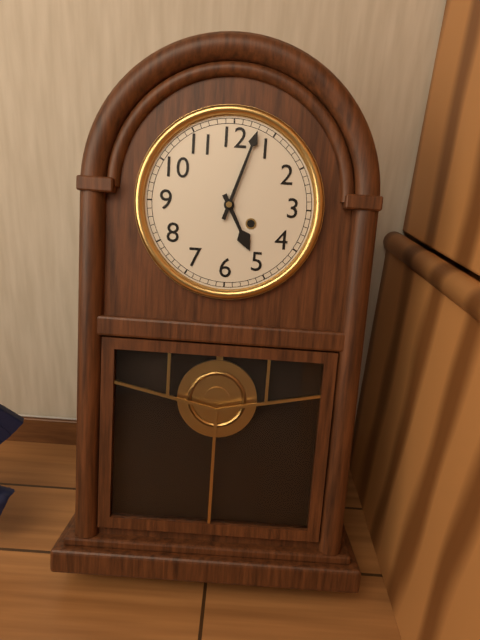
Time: 5h03
